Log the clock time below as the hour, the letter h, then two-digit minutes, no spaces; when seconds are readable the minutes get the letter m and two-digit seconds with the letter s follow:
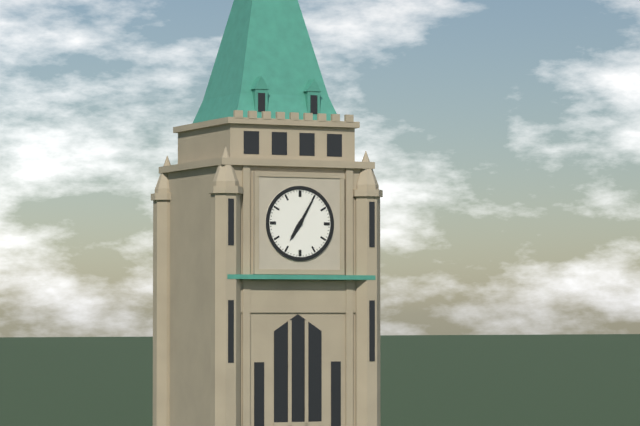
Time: 7h05
